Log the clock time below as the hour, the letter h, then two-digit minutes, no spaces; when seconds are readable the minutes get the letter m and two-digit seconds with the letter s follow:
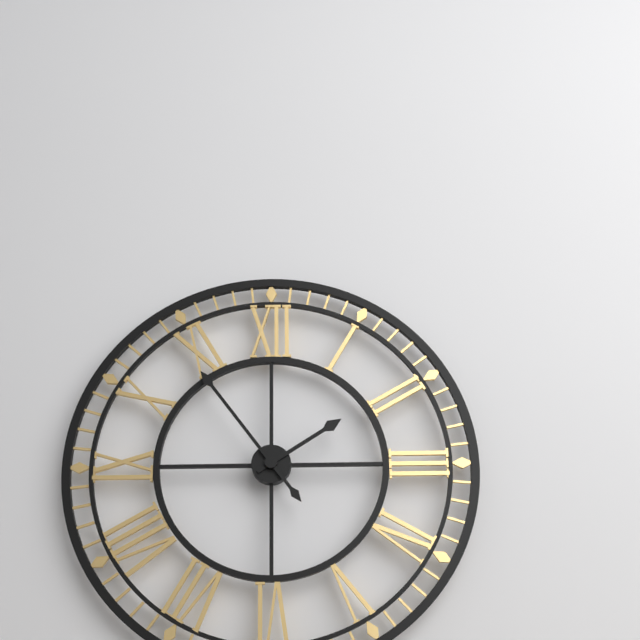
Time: 1h54
